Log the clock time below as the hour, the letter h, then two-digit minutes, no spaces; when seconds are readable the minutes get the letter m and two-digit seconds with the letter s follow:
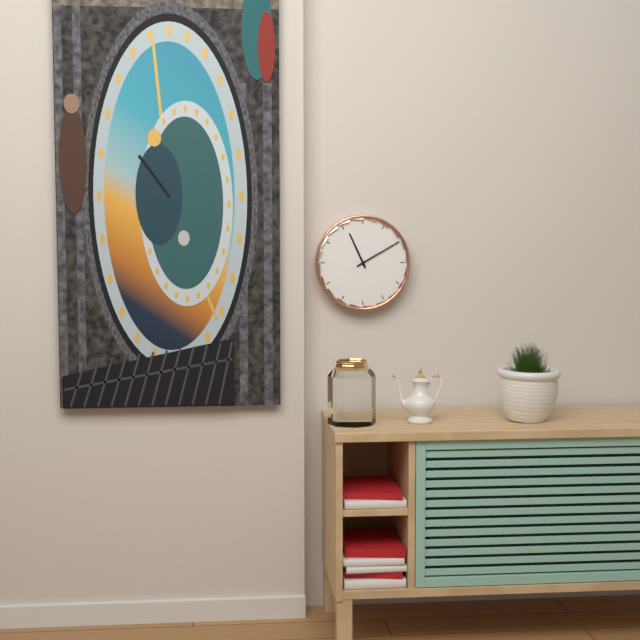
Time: 11h10
